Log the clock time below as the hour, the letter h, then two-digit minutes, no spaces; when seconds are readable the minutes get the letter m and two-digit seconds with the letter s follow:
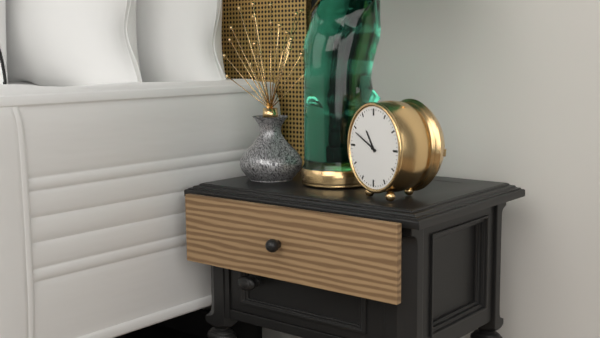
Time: 10h49
